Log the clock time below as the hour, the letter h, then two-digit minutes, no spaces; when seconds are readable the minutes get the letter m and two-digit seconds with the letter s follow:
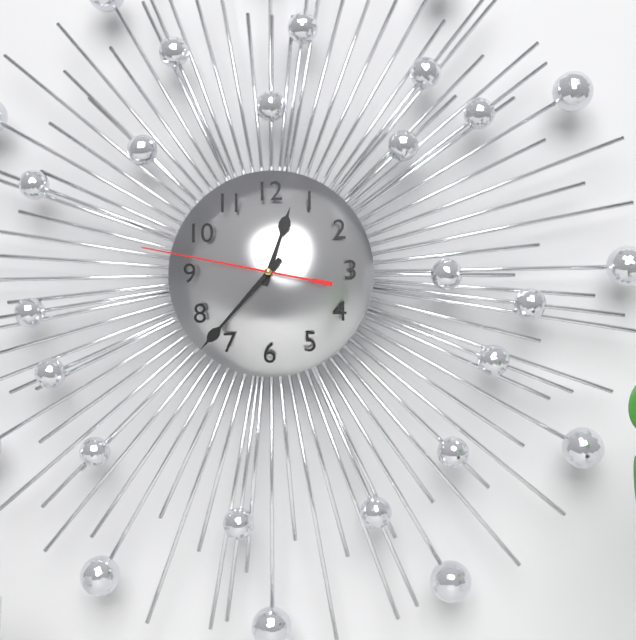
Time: 12h37m47s
